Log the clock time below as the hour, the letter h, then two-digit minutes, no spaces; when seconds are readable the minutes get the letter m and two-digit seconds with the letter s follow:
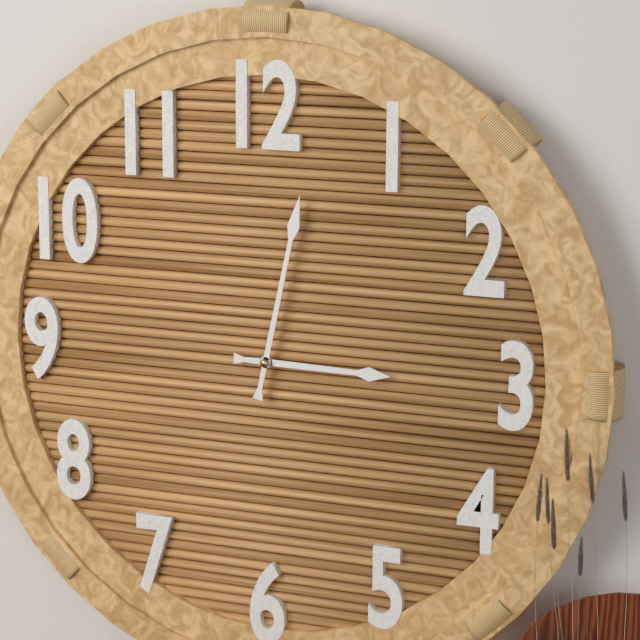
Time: 3h02
